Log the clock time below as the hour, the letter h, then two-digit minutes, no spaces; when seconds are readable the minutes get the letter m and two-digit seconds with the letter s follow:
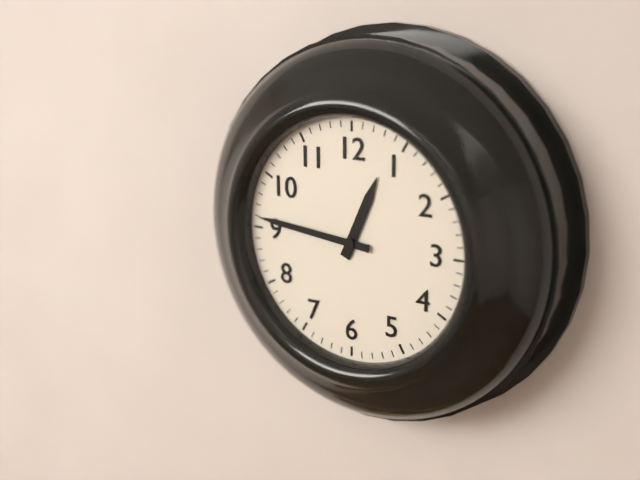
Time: 12h46
